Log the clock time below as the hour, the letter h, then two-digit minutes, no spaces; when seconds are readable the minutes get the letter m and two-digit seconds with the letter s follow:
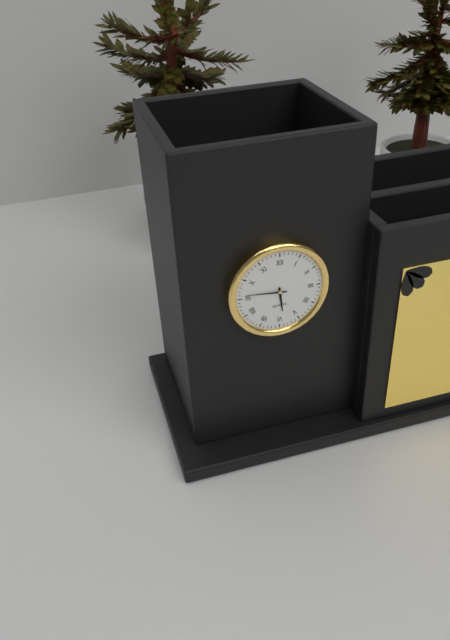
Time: 5h46
